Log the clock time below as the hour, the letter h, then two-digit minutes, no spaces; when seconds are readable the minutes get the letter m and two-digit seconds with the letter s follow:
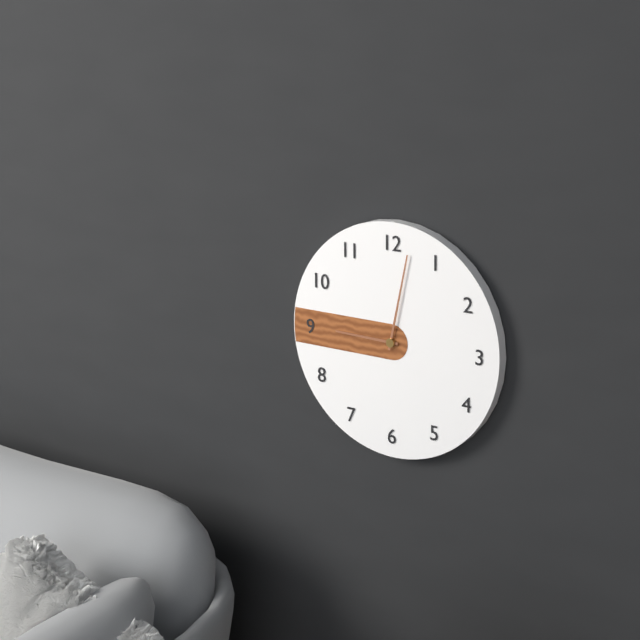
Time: 9h02
